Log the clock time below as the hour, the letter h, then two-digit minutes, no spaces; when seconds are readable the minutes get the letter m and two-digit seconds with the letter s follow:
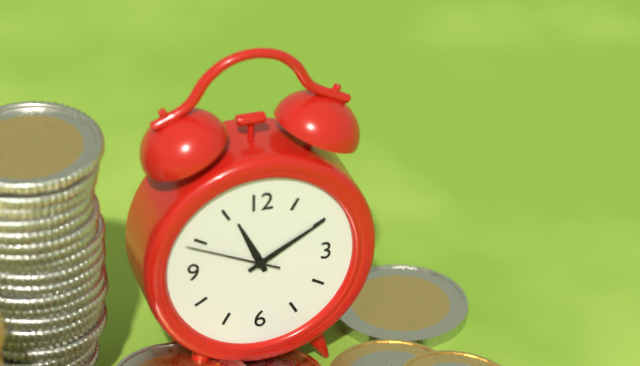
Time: 11h10m49s
